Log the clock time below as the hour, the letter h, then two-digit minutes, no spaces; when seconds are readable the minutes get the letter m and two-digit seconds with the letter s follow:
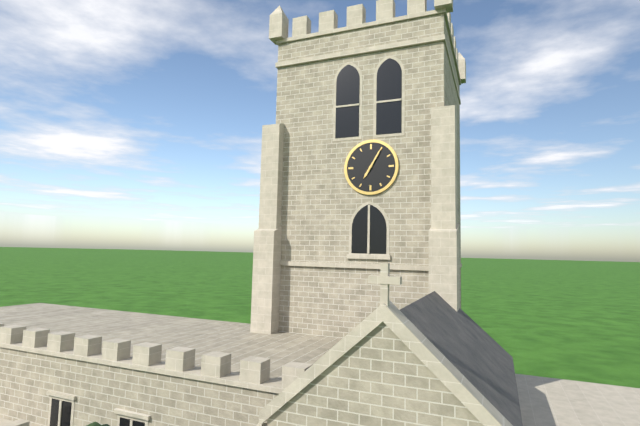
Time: 7h05
